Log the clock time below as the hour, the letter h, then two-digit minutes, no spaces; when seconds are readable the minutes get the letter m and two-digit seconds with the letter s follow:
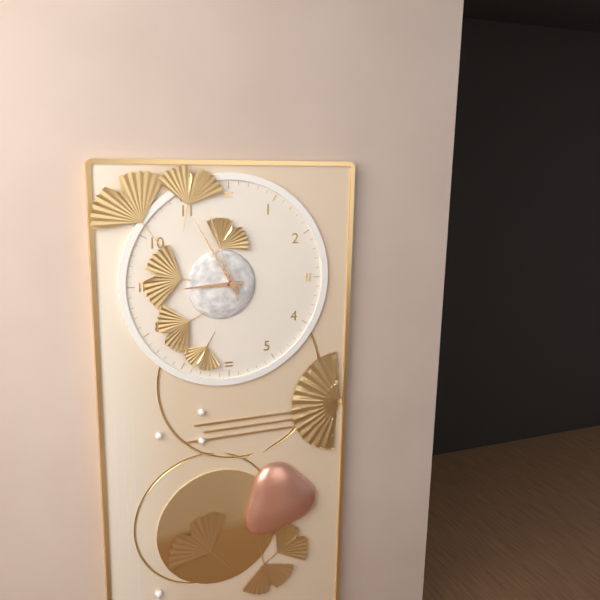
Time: 8h55m57s
